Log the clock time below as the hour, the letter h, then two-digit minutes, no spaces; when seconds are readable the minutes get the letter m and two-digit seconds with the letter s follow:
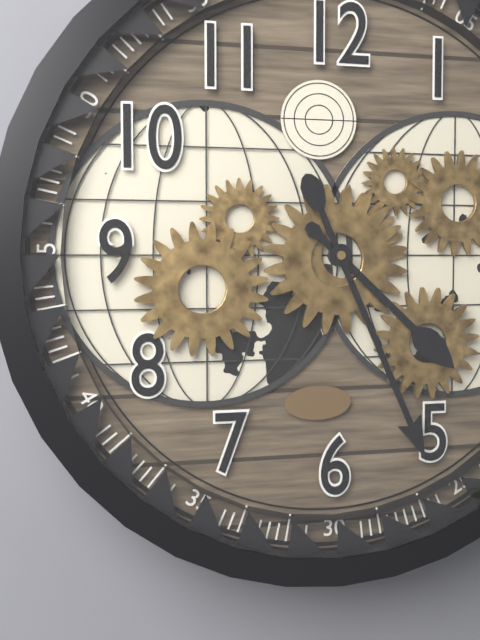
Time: 4h26
